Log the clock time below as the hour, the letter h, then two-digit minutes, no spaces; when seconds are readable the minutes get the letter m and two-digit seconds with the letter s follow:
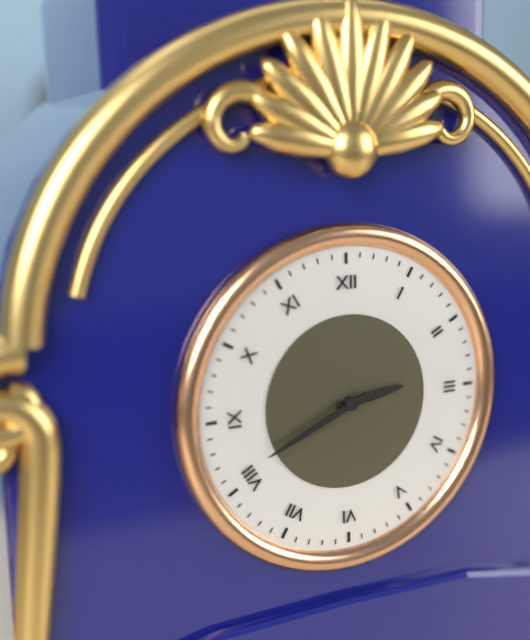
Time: 2h41
